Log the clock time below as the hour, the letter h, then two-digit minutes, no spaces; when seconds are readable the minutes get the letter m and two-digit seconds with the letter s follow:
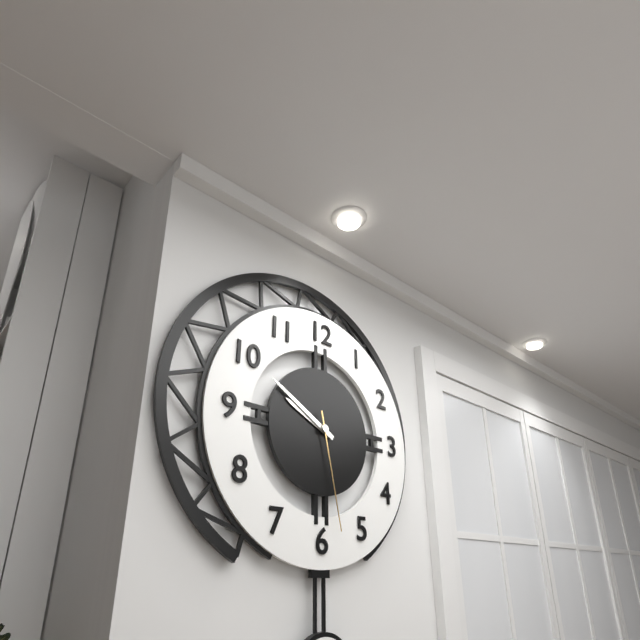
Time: 9h50m28s
